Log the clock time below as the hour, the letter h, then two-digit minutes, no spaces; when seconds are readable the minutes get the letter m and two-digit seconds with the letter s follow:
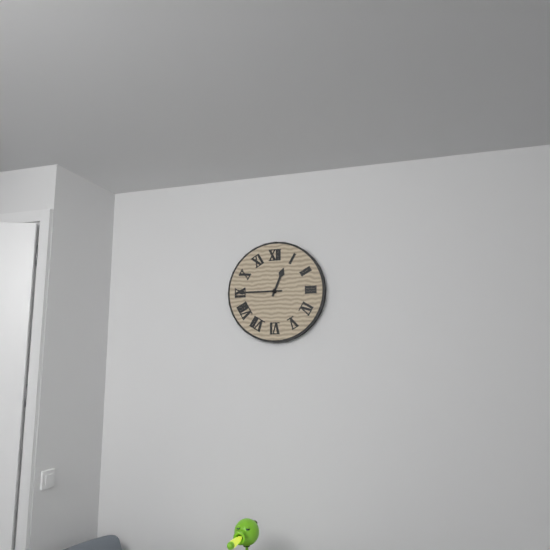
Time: 12h45
